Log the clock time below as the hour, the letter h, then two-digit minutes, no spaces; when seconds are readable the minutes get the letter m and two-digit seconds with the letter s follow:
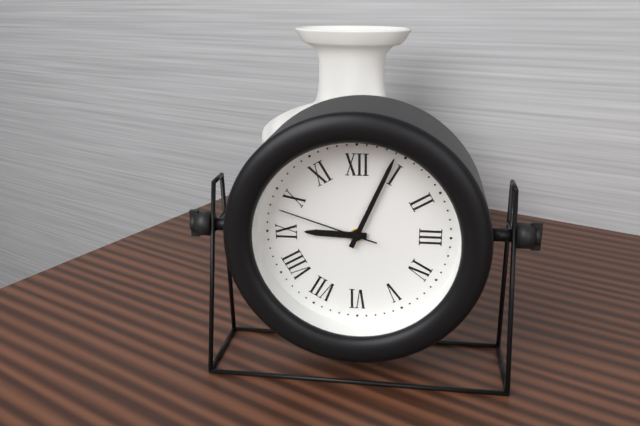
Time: 9h04m48s
